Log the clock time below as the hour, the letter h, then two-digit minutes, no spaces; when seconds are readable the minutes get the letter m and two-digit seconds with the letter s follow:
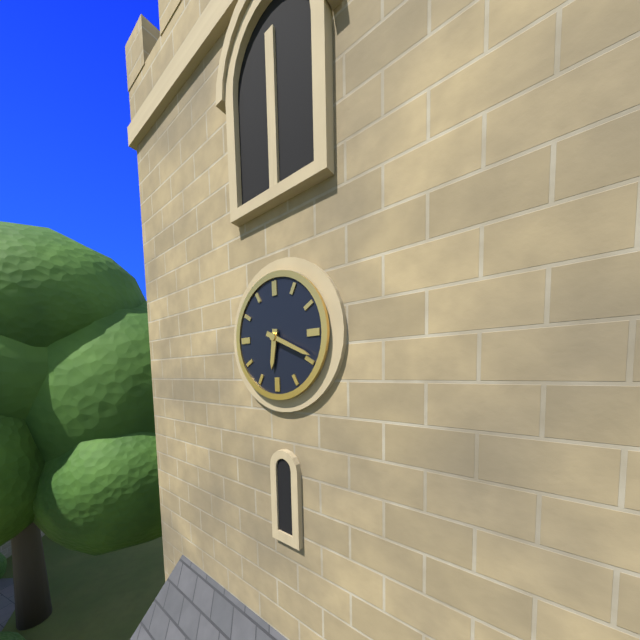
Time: 6h19
